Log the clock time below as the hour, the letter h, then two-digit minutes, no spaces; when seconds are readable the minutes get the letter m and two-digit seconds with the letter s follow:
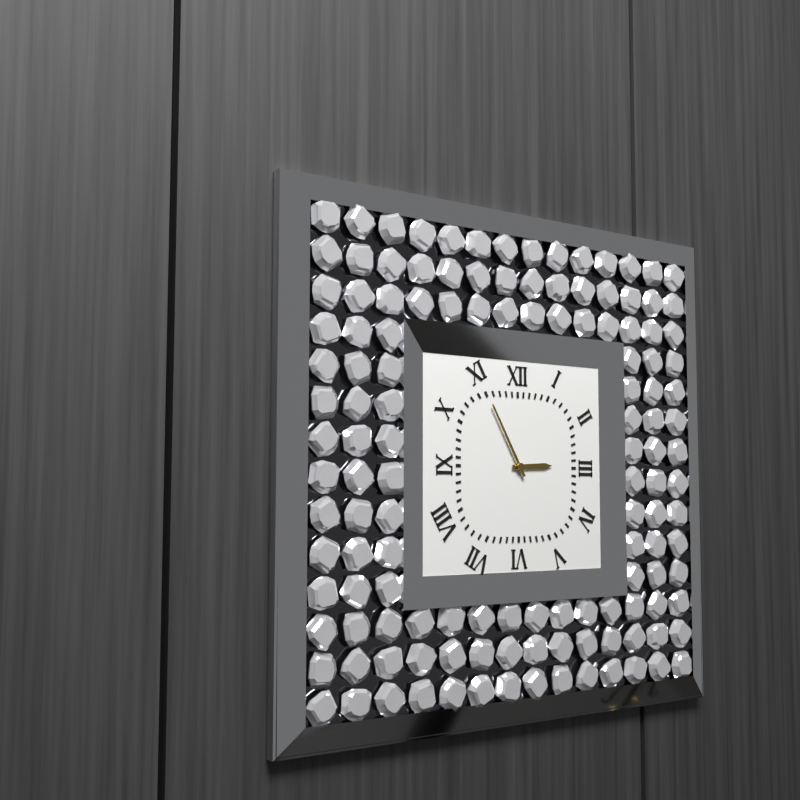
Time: 2h55
